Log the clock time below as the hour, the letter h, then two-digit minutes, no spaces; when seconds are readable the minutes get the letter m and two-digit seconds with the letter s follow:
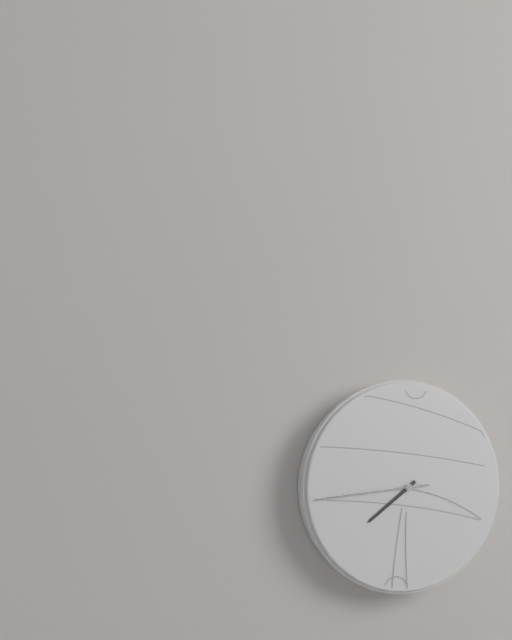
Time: 7h44
